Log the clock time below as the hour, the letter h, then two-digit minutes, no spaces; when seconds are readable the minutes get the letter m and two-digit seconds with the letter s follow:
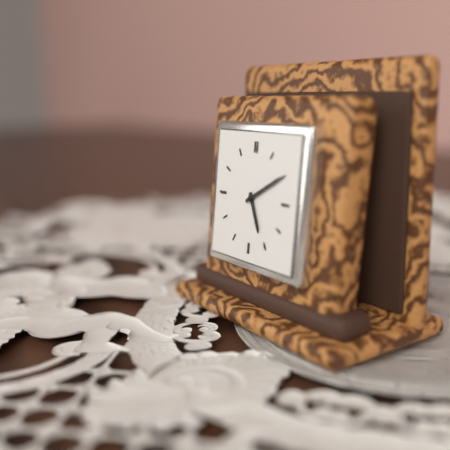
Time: 5h10
